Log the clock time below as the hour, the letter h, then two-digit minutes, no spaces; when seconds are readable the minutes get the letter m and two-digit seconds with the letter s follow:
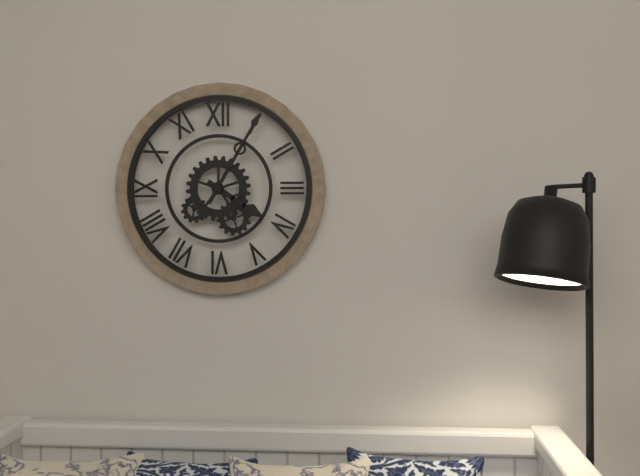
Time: 4h05
